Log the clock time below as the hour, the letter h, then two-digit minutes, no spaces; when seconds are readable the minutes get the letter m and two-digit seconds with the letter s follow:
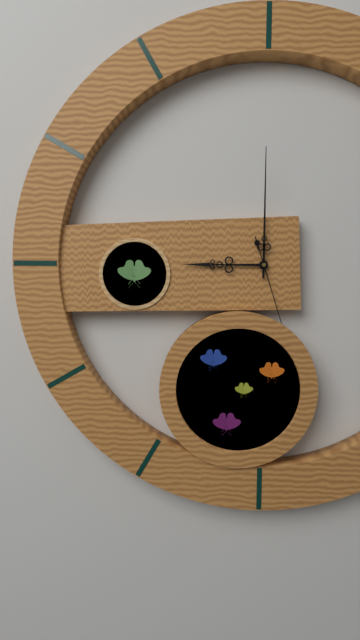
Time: 9h00m27s
